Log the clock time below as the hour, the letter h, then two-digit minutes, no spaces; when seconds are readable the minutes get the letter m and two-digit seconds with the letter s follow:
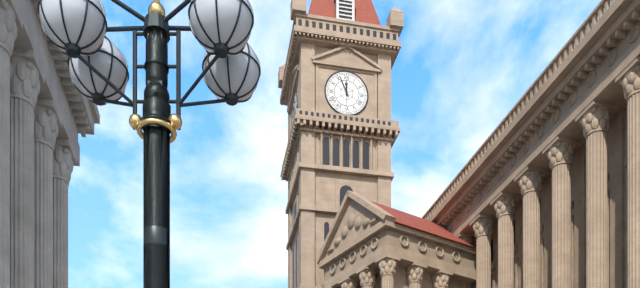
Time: 11h56
